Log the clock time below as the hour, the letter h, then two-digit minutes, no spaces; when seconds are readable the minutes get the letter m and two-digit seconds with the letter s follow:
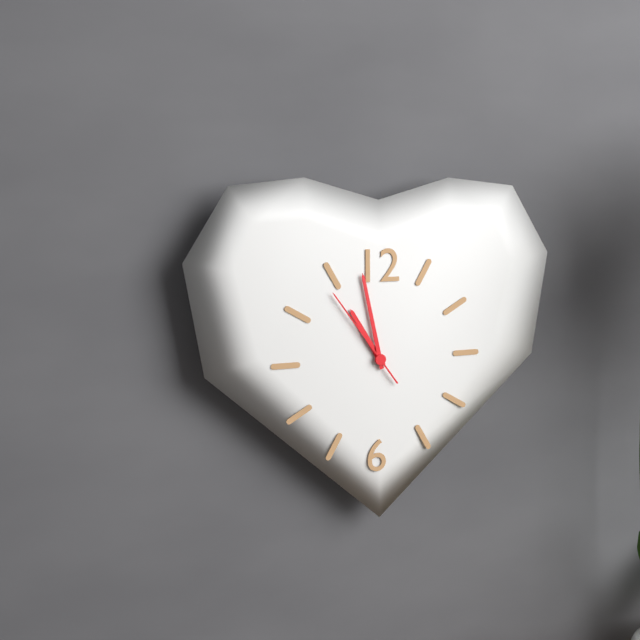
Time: 10h58m54s
